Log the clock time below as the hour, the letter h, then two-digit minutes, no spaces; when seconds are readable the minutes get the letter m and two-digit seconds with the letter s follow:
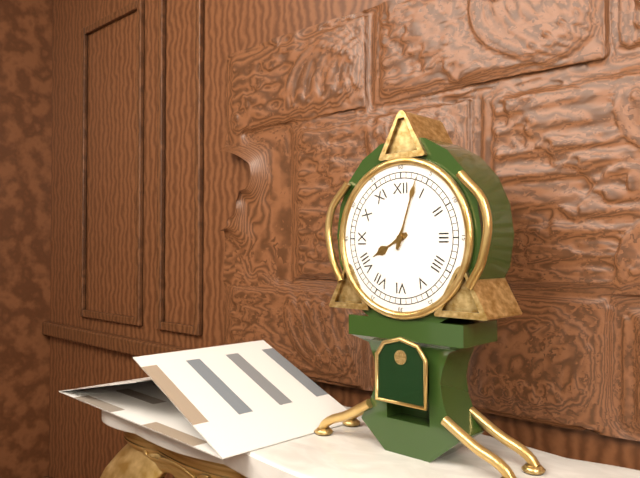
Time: 8h03
